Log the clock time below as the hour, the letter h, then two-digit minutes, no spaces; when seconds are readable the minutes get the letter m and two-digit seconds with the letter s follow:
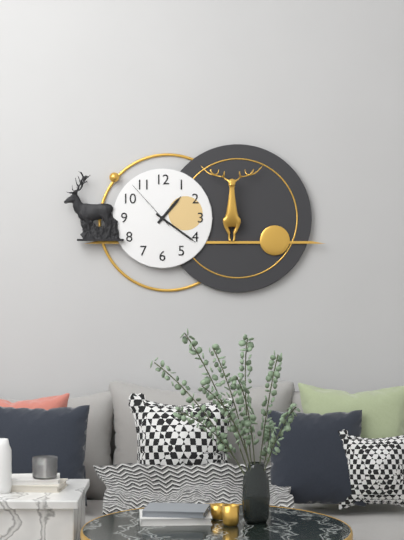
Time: 1h21m53s
